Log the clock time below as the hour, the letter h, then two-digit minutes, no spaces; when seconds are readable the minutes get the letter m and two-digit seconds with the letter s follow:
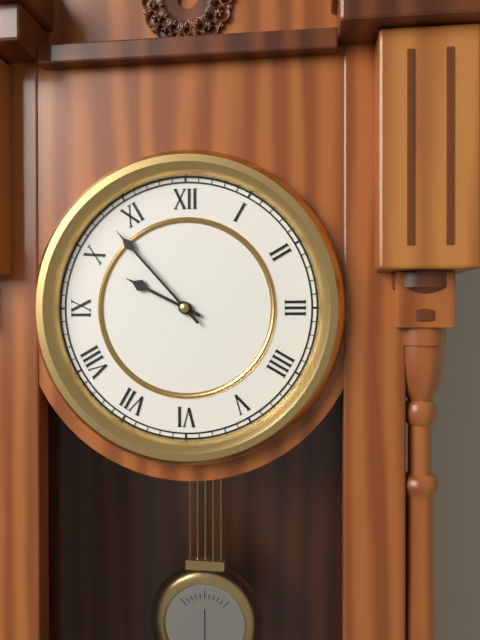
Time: 9h53
